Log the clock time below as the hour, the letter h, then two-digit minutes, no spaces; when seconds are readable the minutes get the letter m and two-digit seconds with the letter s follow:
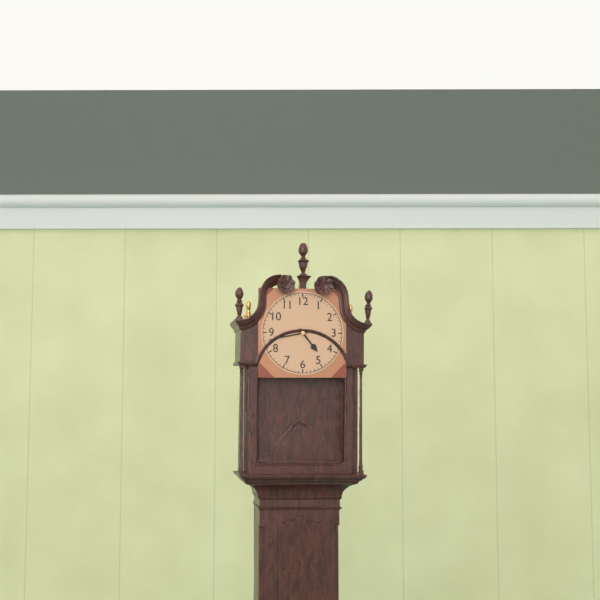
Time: 4h43
